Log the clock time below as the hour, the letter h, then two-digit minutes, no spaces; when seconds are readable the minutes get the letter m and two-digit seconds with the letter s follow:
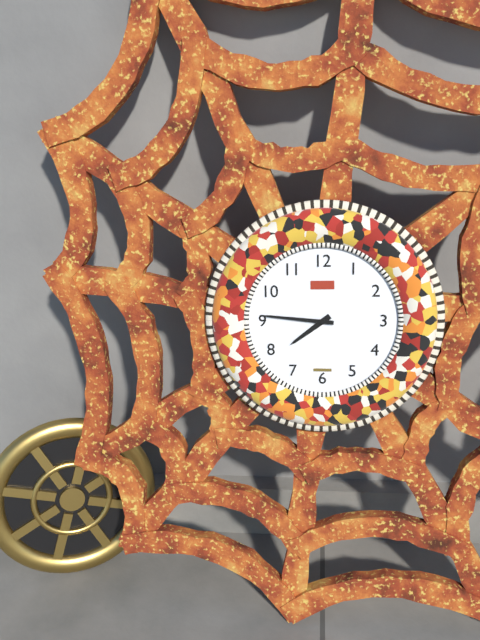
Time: 7h46
